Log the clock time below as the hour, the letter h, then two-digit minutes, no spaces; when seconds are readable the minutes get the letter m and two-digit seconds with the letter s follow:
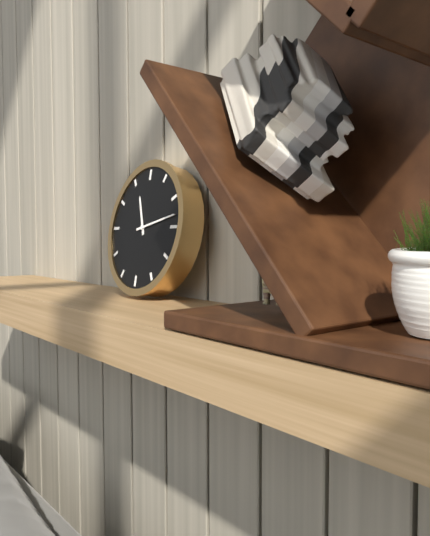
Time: 11h13
